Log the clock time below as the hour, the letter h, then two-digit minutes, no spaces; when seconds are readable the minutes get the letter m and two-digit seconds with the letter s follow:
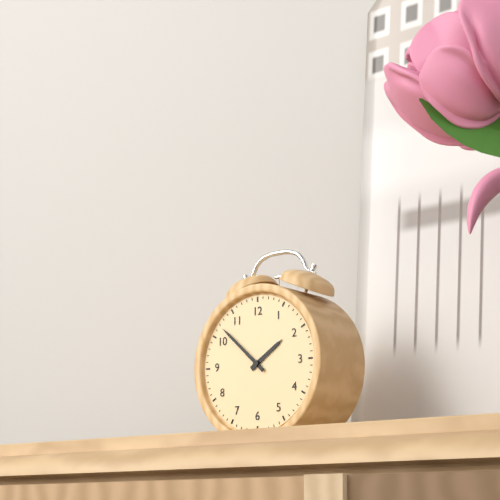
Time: 1h52
